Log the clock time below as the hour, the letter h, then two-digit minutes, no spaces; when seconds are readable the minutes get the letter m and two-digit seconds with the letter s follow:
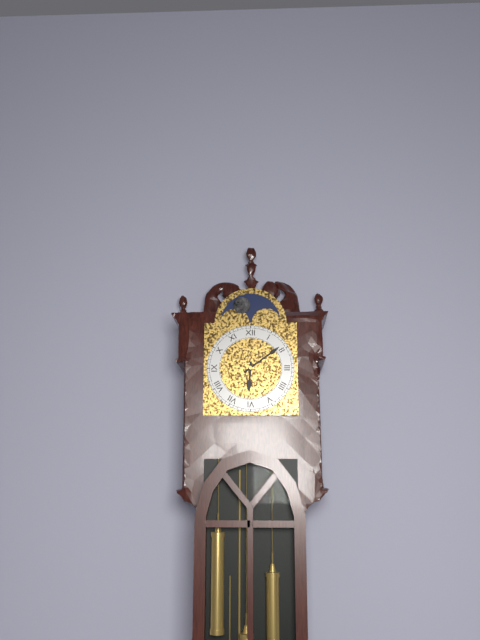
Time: 6h09
